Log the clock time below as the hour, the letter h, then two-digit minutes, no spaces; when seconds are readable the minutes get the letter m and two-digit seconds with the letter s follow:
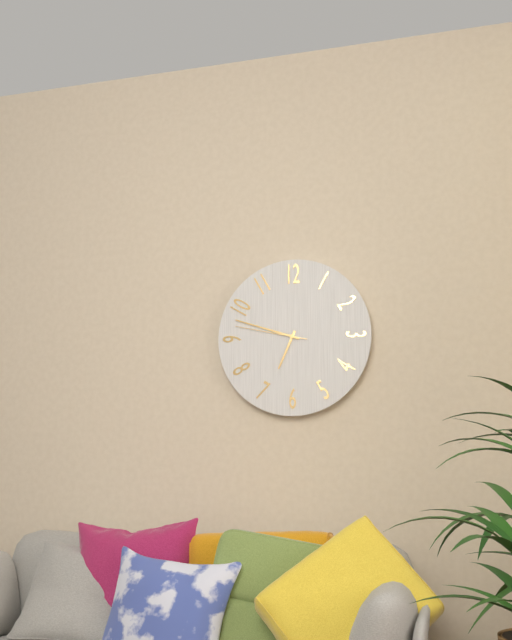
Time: 6h48m47s
